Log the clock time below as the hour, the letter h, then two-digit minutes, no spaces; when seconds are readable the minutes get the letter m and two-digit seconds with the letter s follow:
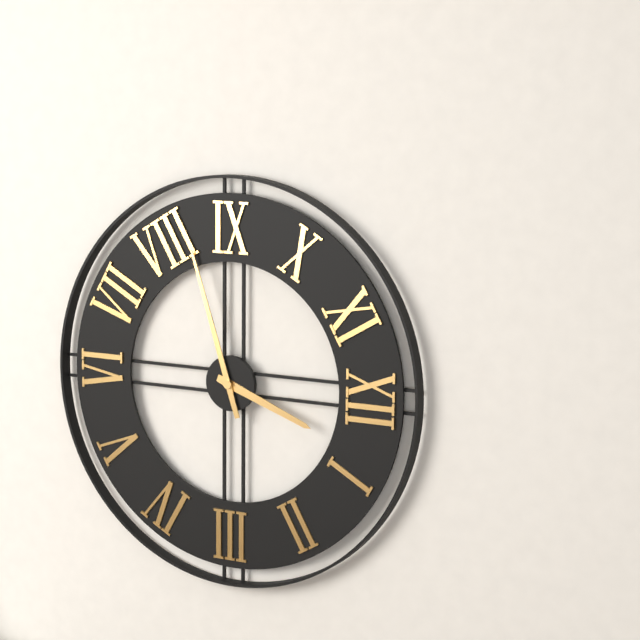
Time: 12h42
